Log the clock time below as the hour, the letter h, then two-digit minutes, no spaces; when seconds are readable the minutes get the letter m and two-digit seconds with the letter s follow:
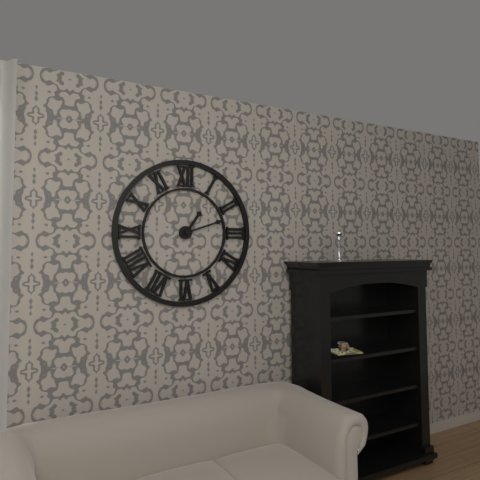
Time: 1h12
